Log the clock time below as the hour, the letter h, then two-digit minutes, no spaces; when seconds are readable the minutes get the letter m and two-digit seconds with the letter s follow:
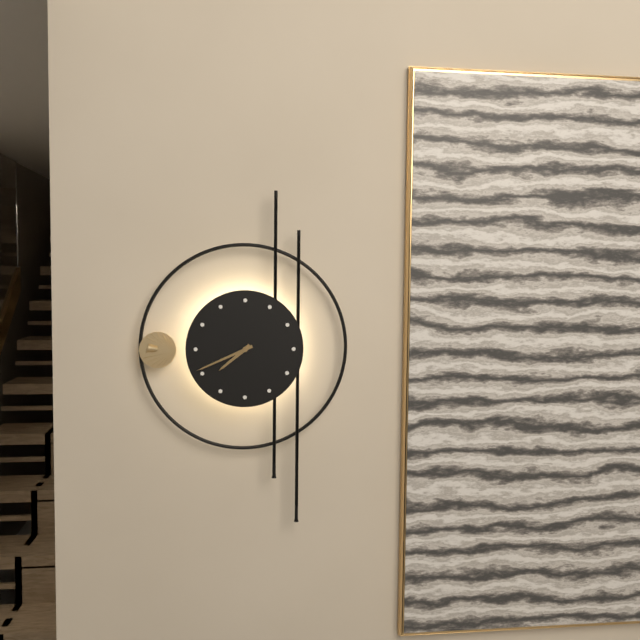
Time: 7h41
